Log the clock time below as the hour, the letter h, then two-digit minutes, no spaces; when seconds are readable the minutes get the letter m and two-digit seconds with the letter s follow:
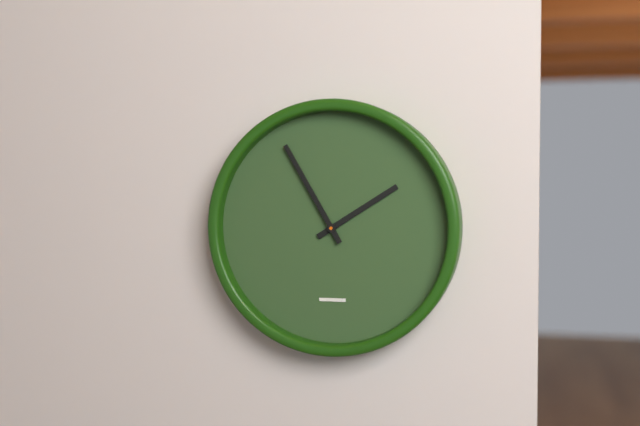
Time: 1h55
